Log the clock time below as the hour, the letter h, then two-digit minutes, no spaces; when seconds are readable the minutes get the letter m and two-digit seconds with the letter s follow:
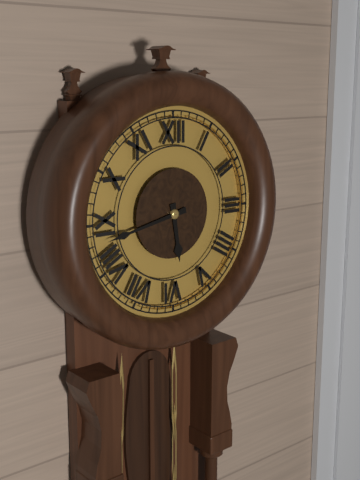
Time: 5h43
